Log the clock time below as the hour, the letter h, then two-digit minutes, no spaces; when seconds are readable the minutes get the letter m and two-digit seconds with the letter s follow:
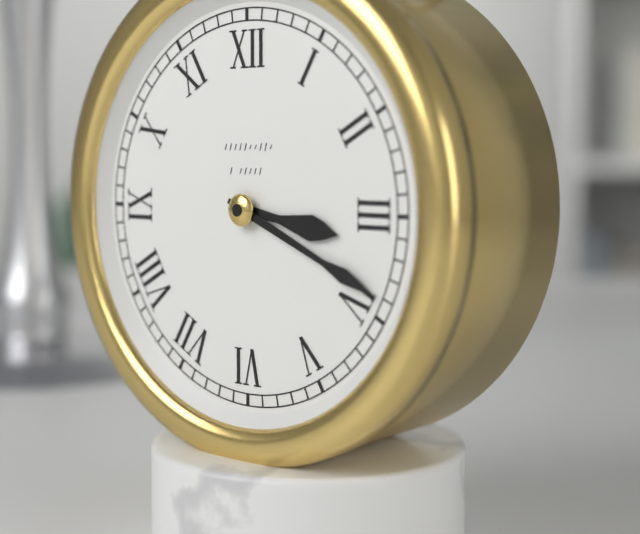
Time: 3h19
